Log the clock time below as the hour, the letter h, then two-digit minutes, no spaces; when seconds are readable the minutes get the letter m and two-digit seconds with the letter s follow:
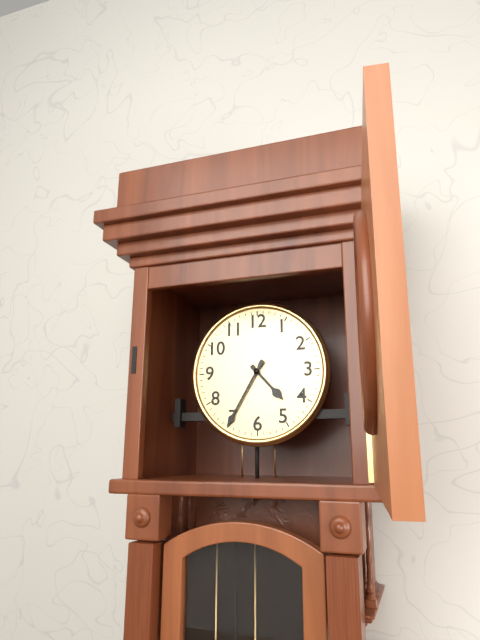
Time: 4h35
